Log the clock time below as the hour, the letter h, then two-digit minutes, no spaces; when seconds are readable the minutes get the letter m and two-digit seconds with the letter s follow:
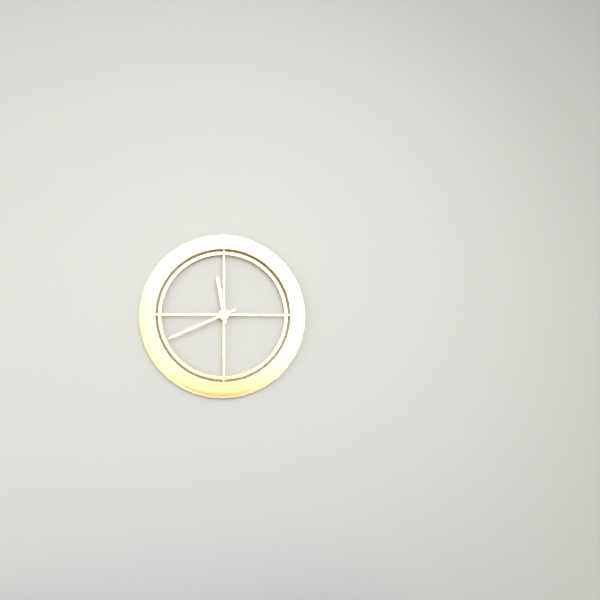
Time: 11h41
